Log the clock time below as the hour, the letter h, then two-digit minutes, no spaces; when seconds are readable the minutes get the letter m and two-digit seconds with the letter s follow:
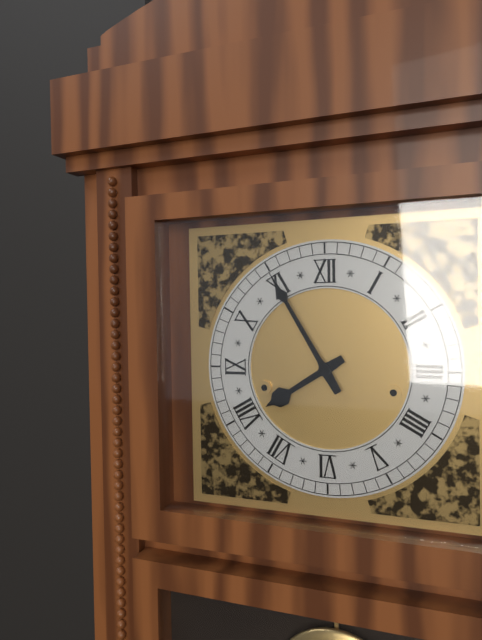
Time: 7h55
